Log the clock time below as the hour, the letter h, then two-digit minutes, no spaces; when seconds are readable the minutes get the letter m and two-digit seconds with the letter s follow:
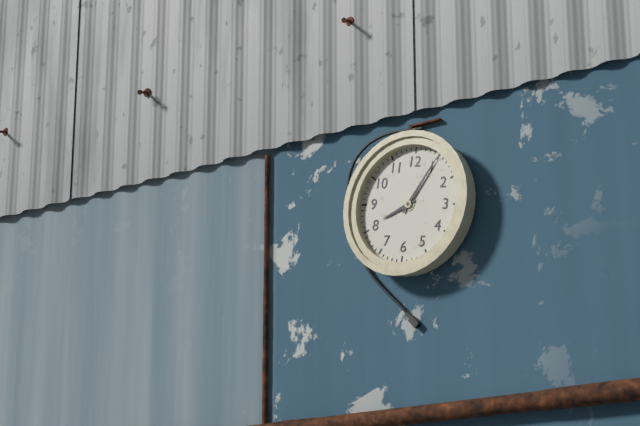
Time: 8h05
